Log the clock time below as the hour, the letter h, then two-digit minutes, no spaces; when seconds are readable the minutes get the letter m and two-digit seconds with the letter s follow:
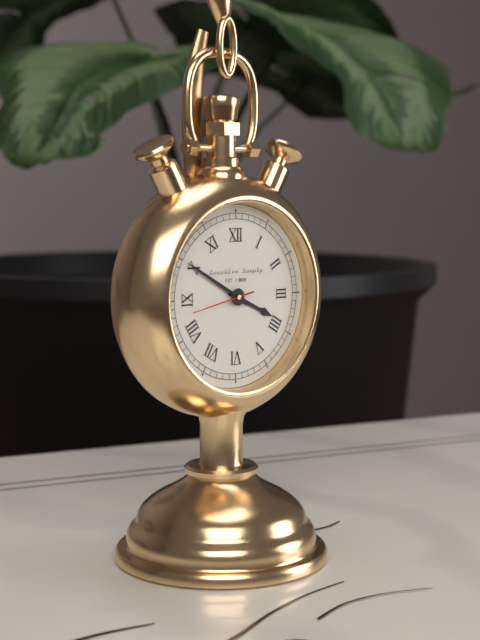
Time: 3h50
